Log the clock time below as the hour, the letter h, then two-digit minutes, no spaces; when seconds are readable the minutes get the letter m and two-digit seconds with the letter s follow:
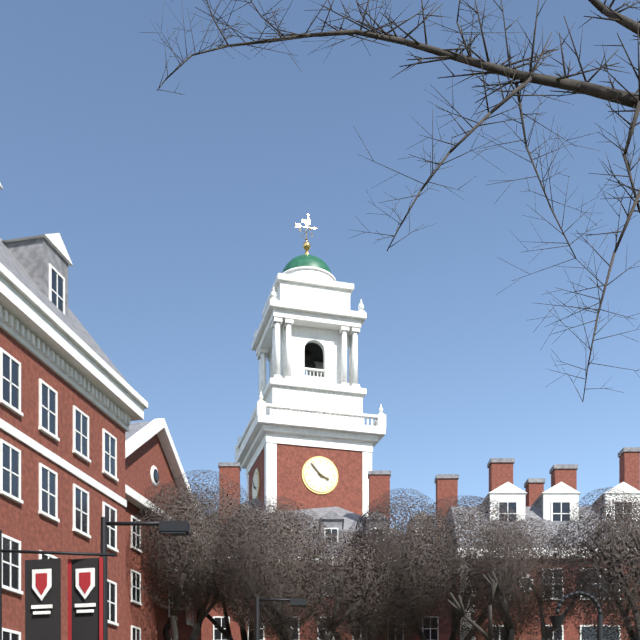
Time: 3h53
